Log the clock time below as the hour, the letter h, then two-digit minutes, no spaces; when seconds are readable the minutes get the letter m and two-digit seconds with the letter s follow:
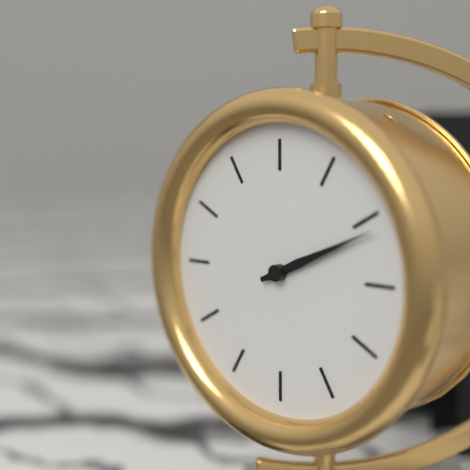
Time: 2h11
